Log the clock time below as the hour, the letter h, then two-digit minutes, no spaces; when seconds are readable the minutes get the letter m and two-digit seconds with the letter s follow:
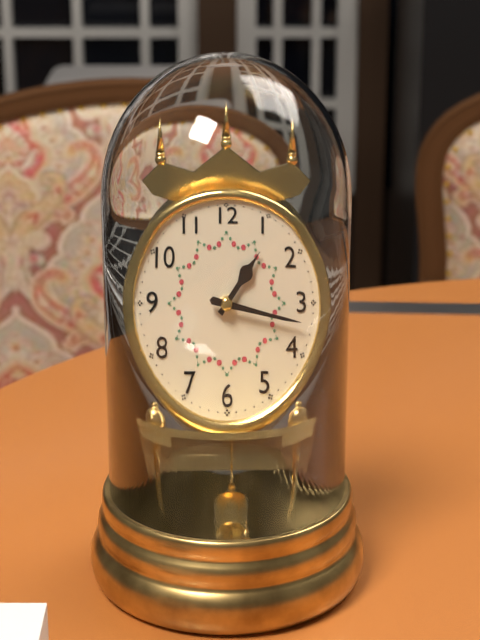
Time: 1h17
